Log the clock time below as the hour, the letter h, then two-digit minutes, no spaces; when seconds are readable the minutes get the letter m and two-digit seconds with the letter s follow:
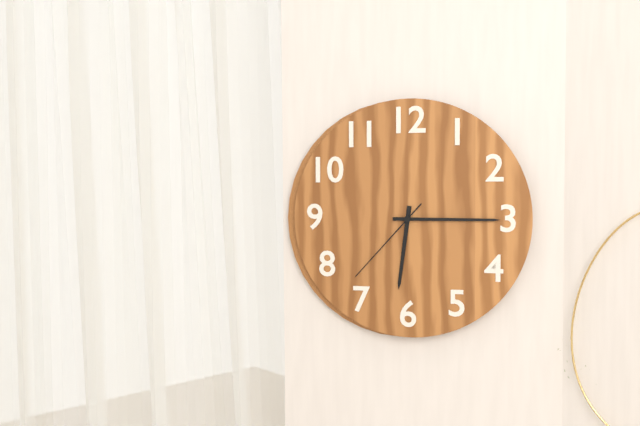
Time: 6h15m37s
